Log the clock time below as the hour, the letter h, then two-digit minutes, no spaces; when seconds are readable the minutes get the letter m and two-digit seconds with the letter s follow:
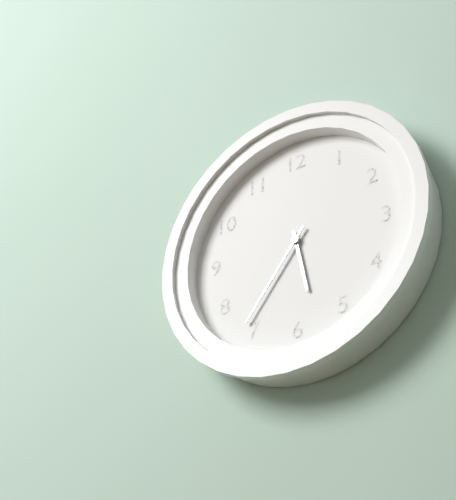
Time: 5h36
